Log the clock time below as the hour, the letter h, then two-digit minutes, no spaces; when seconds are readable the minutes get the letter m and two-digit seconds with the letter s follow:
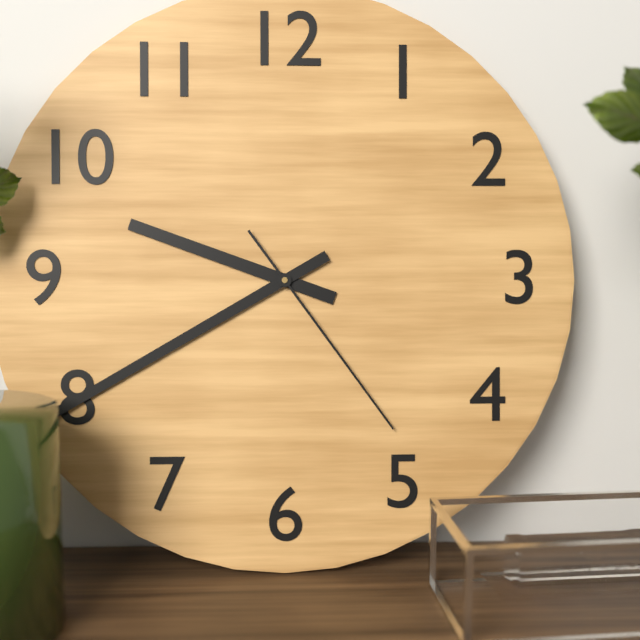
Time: 9h40m24s
